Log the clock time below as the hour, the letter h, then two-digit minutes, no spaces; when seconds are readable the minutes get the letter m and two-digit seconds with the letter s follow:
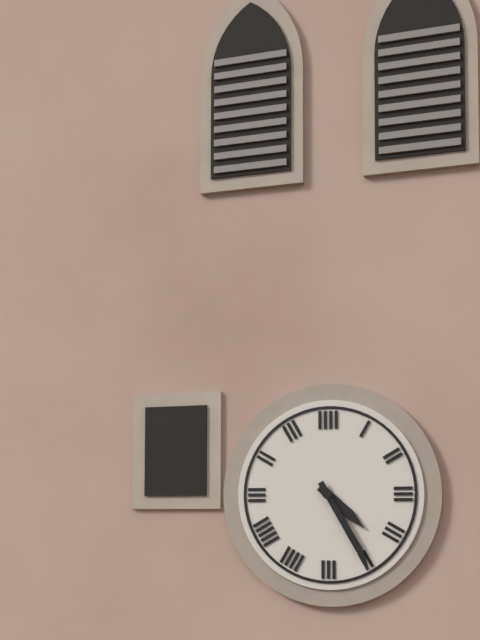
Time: 4h25
